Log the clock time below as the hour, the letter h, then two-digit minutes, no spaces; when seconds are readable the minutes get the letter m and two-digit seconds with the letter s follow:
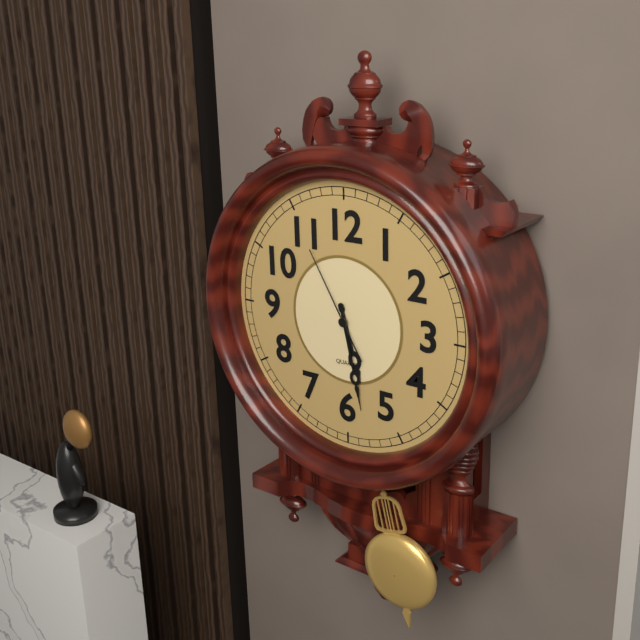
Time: 5h28m55s
